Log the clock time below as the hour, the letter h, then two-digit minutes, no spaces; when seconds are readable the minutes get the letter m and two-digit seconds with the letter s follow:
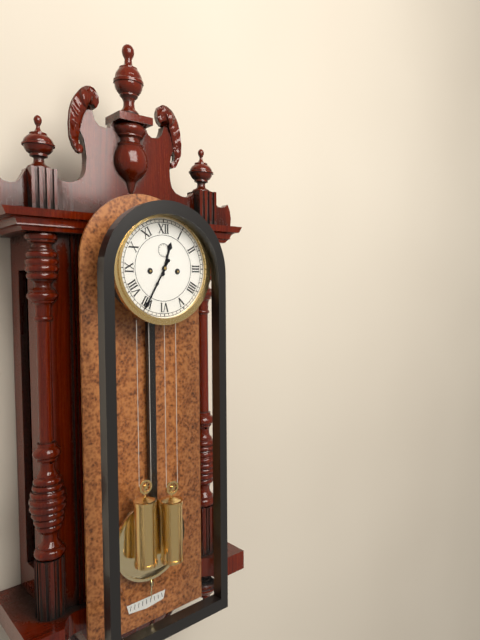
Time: 12h35
